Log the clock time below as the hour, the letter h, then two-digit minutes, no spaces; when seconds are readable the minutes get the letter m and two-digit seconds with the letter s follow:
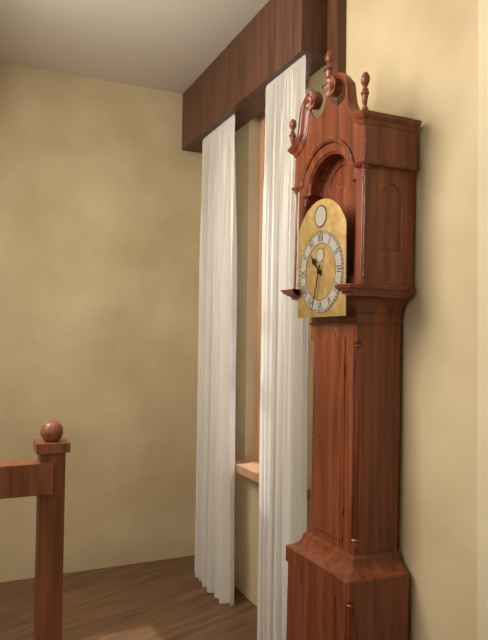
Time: 10h33
